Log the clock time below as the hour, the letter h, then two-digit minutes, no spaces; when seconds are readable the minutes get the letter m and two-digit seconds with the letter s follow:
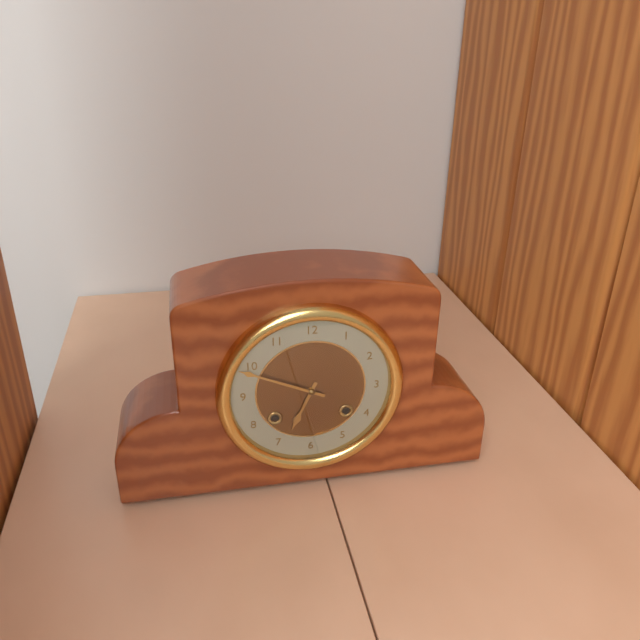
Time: 6h49
